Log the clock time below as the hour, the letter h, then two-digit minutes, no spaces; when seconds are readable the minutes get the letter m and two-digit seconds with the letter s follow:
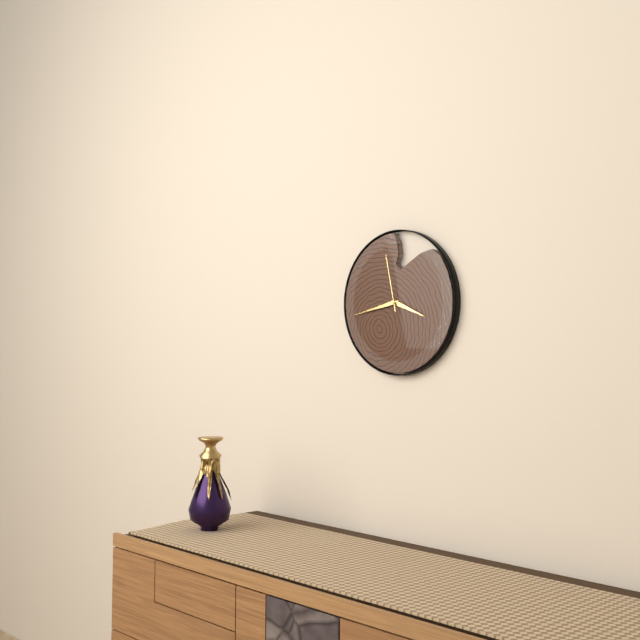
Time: 3h43m58s
